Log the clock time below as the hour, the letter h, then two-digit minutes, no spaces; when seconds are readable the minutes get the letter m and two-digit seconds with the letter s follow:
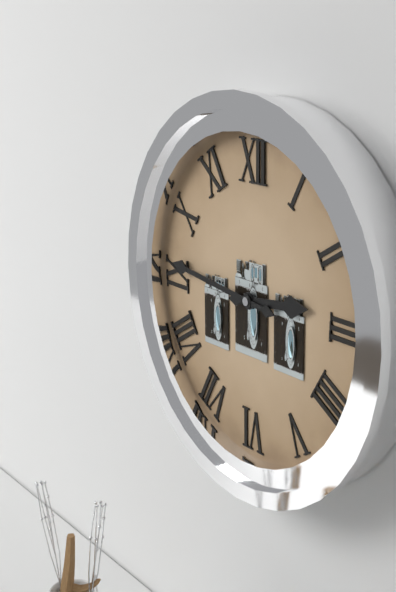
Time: 2h46
